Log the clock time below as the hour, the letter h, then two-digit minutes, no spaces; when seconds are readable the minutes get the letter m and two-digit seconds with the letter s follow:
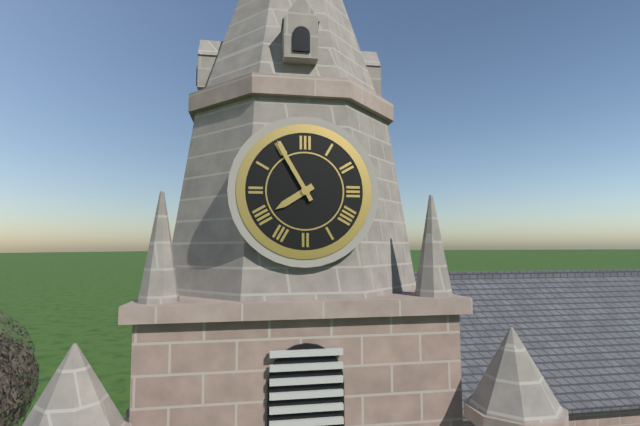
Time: 7h55
